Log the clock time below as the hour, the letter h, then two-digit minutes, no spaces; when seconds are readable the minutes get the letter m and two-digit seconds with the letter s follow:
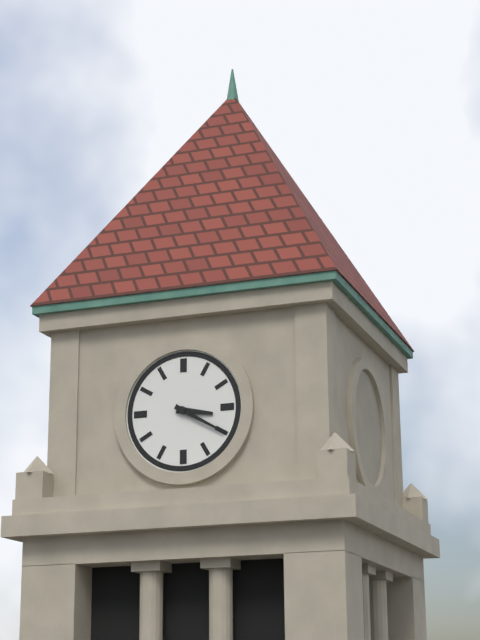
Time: 3h20
